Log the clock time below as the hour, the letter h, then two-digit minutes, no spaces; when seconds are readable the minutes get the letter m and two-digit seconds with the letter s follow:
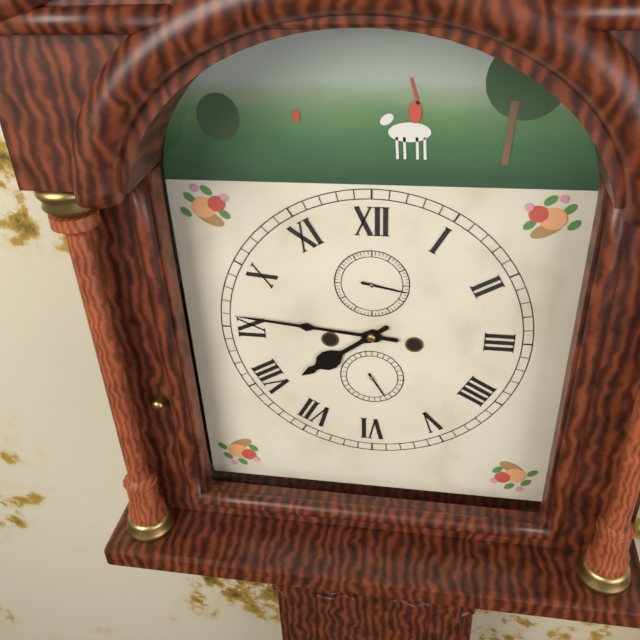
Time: 7h46
